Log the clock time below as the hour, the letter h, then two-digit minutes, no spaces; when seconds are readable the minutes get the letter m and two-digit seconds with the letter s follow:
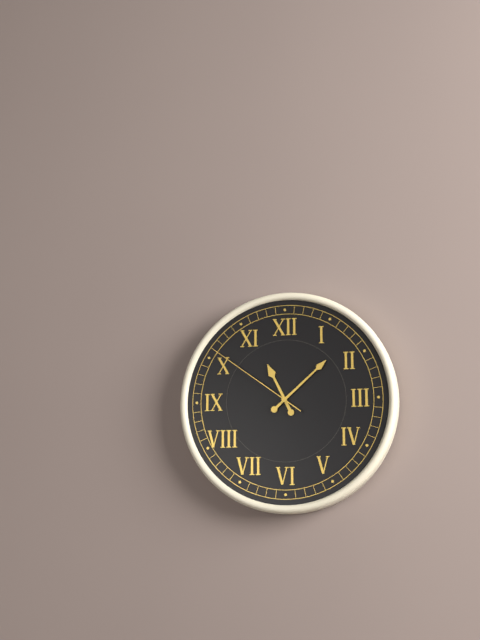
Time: 11h08m51s
